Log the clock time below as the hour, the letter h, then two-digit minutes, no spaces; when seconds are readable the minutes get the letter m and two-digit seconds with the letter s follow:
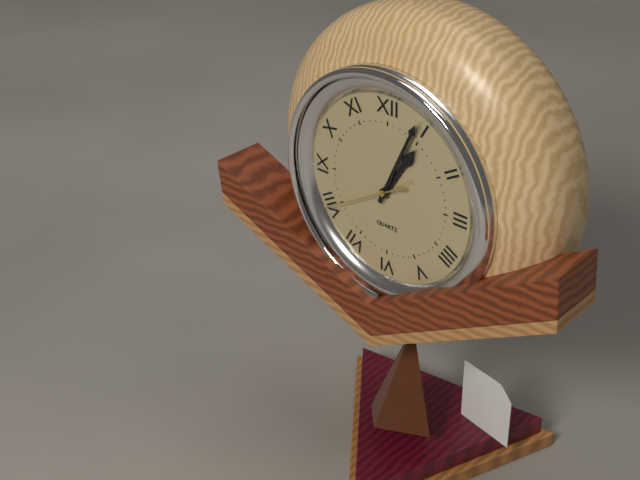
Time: 1h04m40s
